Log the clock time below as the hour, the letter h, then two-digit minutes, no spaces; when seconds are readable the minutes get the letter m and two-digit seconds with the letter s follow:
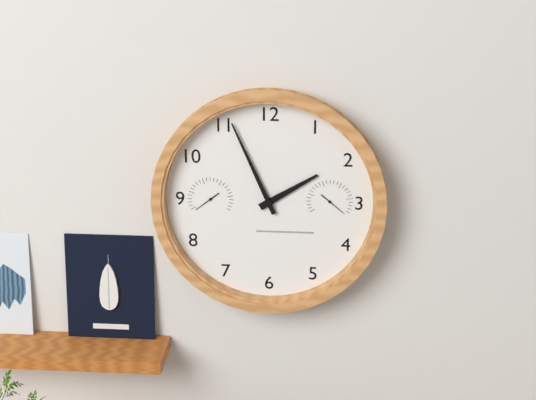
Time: 1h56
